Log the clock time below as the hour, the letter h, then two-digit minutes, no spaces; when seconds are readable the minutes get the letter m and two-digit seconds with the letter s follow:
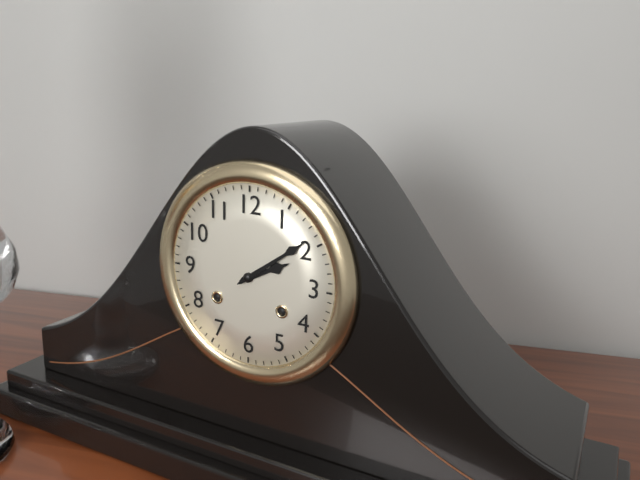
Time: 2h09
